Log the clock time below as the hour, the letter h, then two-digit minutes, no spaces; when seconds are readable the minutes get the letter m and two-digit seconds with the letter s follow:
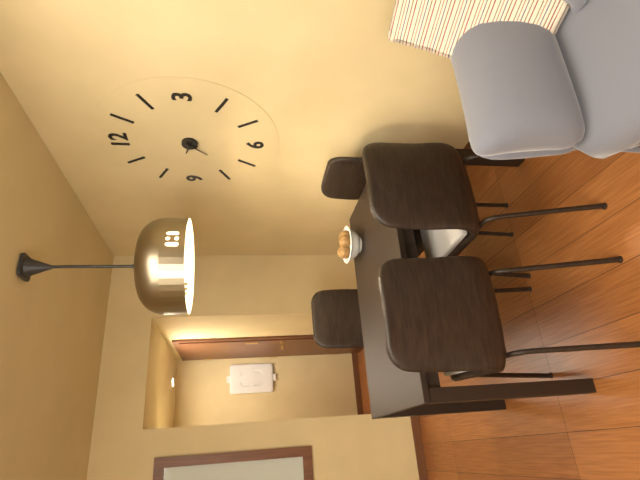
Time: 9h37
